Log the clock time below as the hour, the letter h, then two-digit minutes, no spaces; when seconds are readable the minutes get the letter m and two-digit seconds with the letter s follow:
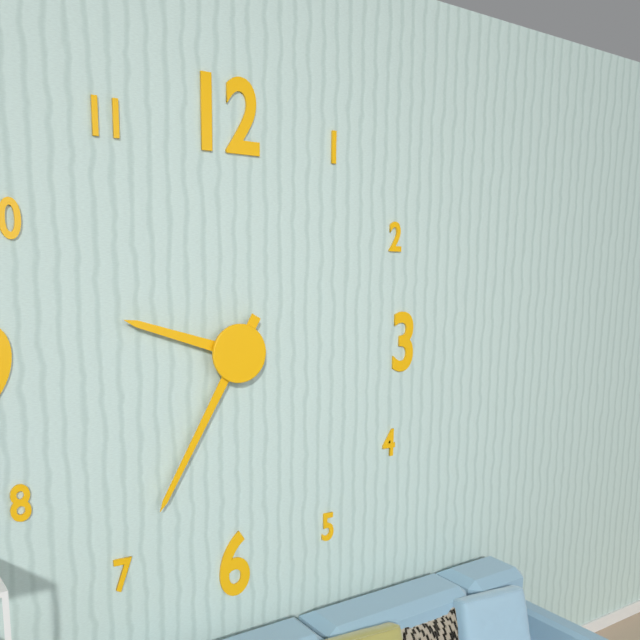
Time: 9h35
